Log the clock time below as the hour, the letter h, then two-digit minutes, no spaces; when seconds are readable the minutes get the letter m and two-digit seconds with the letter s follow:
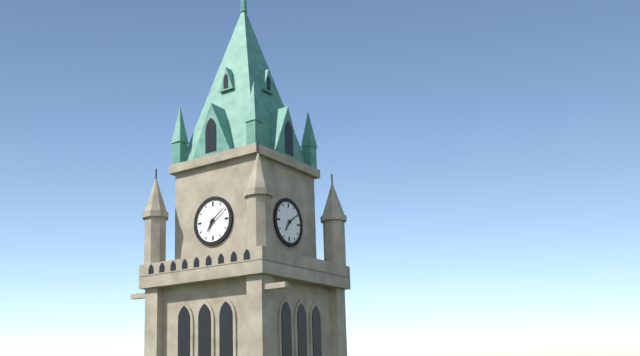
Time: 7h09
